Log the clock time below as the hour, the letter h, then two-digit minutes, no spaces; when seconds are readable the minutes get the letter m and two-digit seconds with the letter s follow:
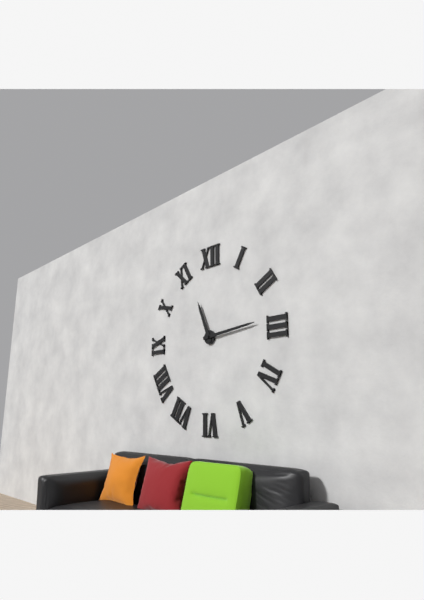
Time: 11h14
